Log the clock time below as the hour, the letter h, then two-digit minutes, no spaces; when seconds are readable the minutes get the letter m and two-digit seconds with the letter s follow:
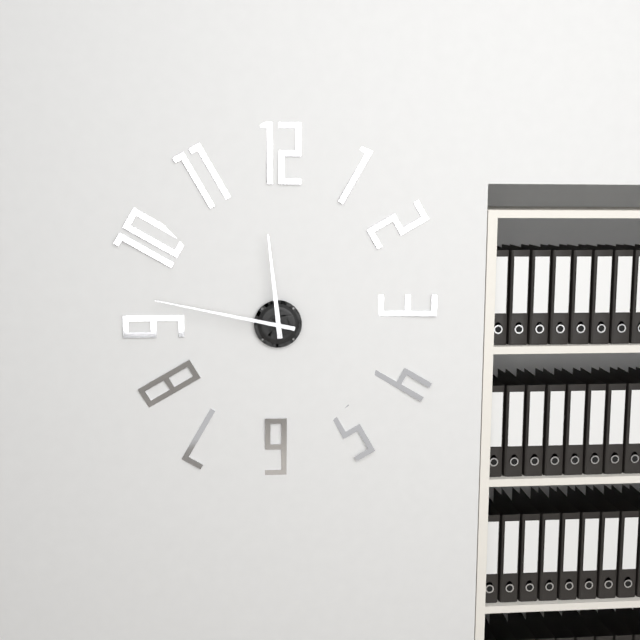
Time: 11h47
